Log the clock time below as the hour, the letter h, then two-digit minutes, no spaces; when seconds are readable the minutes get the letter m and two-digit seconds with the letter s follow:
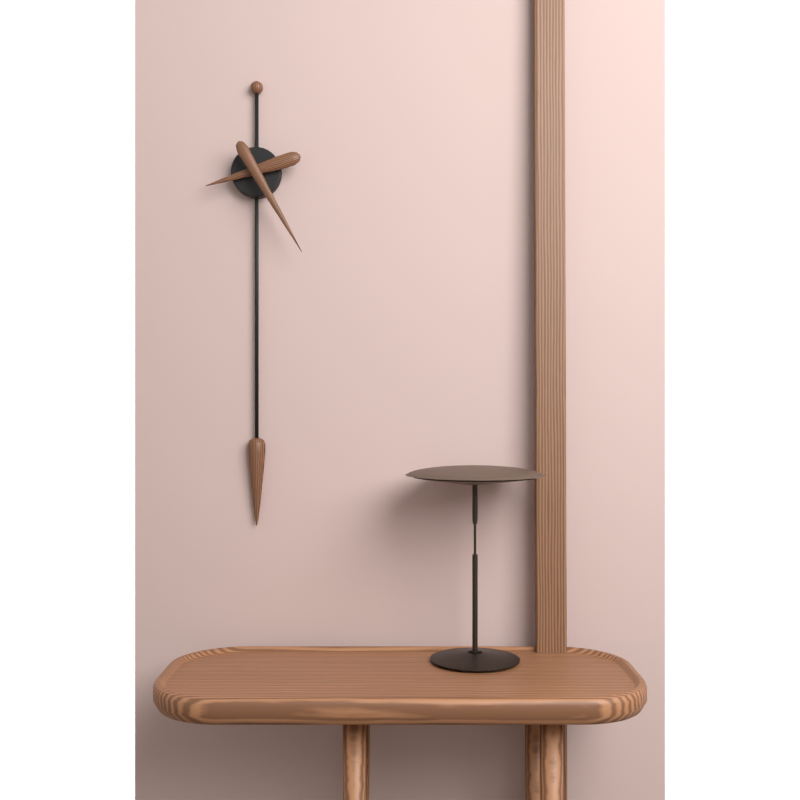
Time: 8h25
